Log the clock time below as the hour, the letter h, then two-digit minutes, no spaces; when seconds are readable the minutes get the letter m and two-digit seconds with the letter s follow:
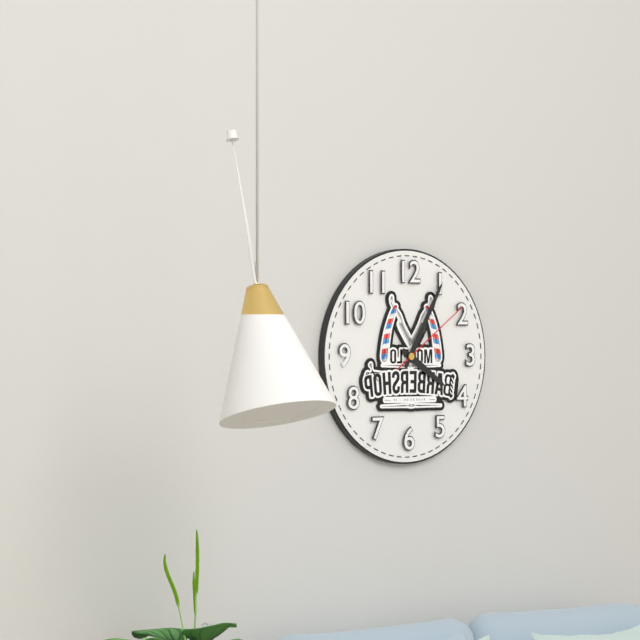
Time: 4h05m09s
